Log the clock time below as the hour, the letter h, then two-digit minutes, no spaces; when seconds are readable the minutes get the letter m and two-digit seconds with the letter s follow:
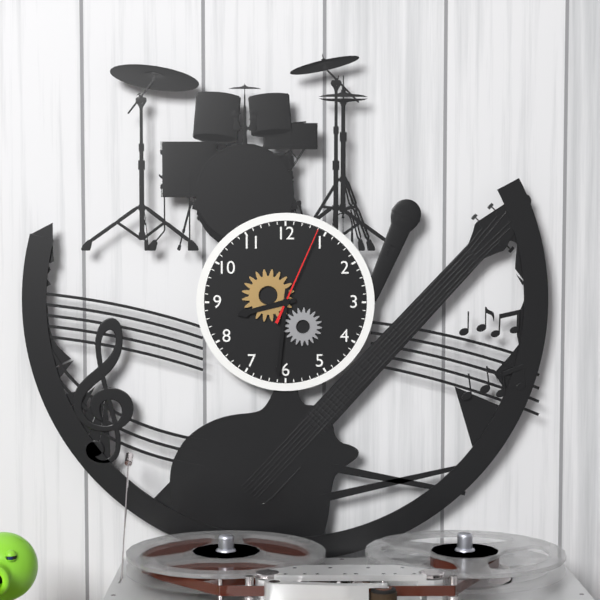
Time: 8h31m04s
